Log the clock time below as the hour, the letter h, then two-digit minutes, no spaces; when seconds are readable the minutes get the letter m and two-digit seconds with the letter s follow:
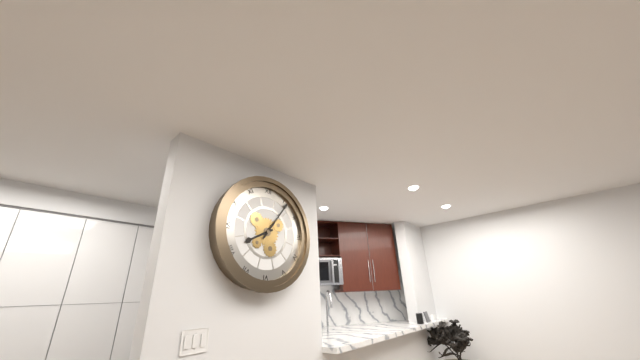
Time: 8h06
